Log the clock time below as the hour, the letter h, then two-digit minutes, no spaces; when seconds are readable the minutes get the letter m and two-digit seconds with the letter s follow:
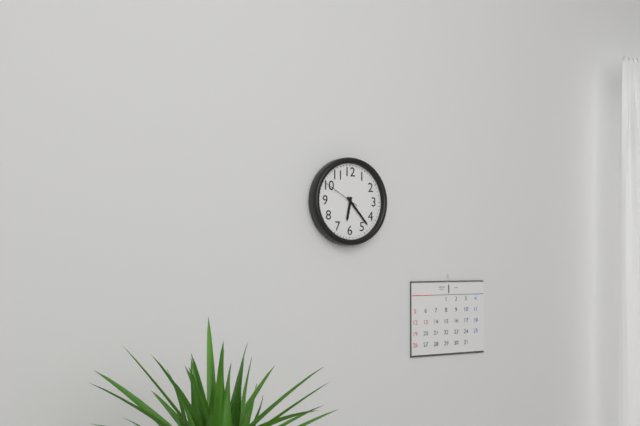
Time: 6h23
